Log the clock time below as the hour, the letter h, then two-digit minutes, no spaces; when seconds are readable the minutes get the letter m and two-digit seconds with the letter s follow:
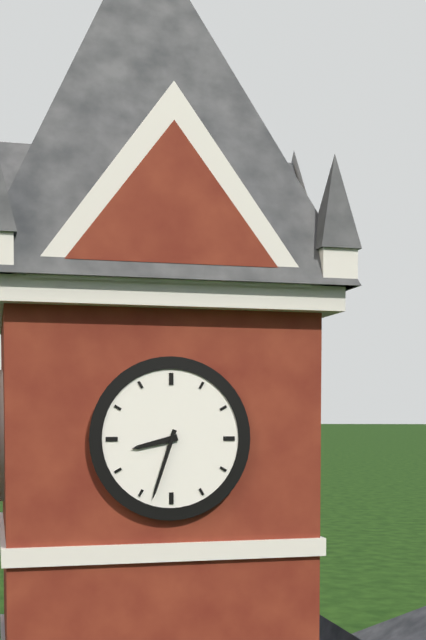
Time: 8h33
